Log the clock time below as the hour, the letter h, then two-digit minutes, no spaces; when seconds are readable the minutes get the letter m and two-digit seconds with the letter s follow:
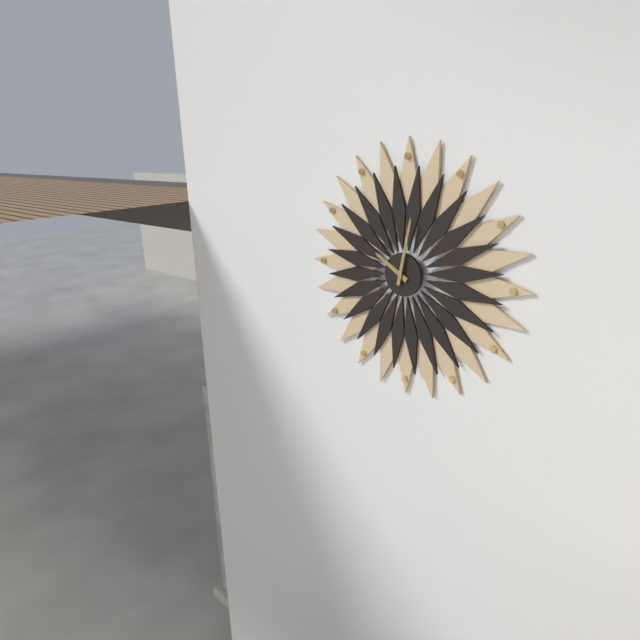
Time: 10h02
